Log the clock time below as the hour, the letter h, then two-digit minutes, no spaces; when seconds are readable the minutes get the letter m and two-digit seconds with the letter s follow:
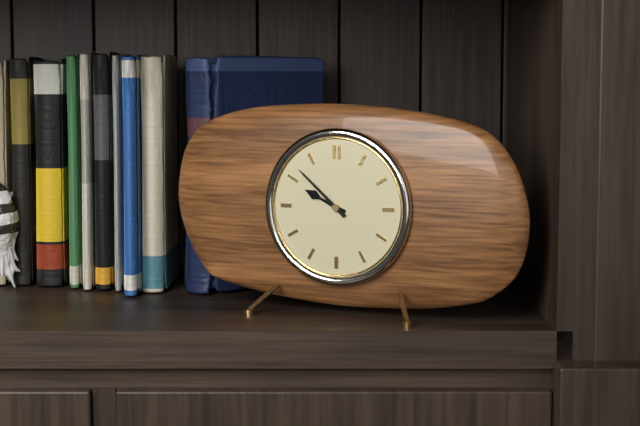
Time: 9h52
